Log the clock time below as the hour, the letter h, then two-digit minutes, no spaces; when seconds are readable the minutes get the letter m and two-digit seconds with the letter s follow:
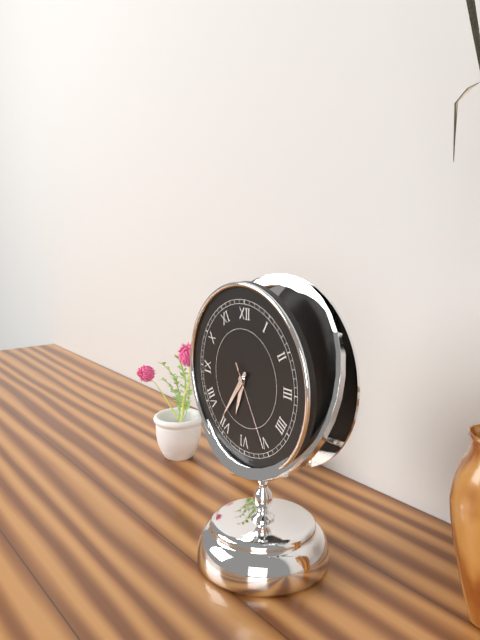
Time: 6h36m25s
